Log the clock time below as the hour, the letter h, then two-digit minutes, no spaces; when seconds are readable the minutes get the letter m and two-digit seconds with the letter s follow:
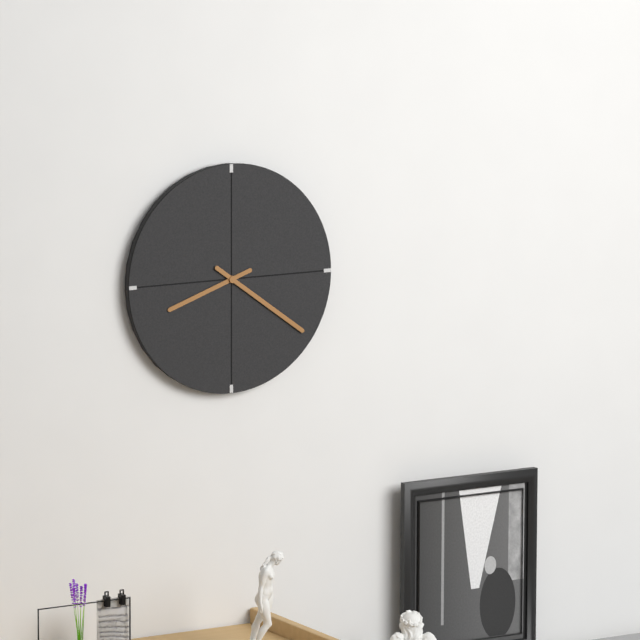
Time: 8h21
